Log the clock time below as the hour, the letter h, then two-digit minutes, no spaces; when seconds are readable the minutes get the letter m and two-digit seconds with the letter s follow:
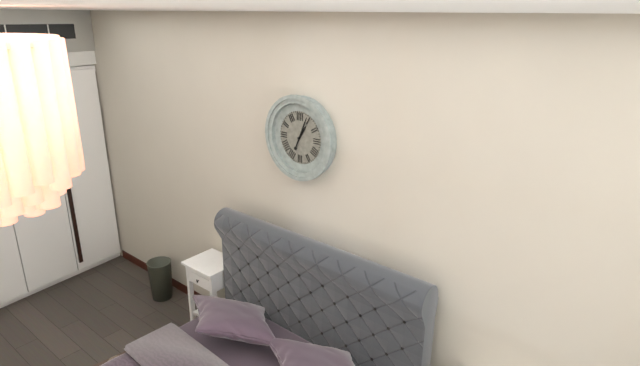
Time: 1h04
